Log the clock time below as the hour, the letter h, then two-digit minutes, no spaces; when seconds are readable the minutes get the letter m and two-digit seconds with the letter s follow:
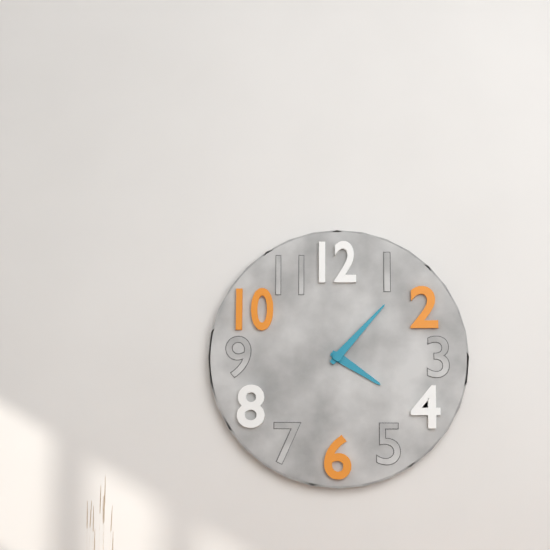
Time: 4h07
